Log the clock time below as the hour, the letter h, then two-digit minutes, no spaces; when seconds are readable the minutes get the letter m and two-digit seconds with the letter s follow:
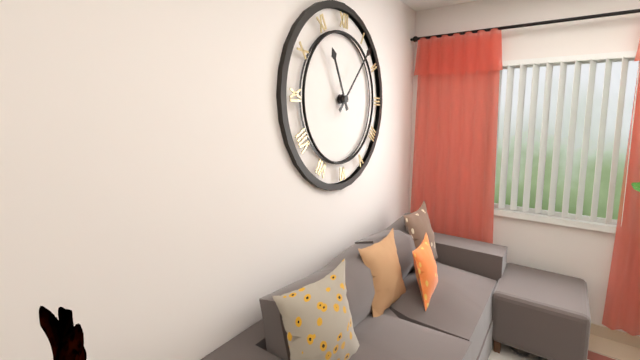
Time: 11h07
